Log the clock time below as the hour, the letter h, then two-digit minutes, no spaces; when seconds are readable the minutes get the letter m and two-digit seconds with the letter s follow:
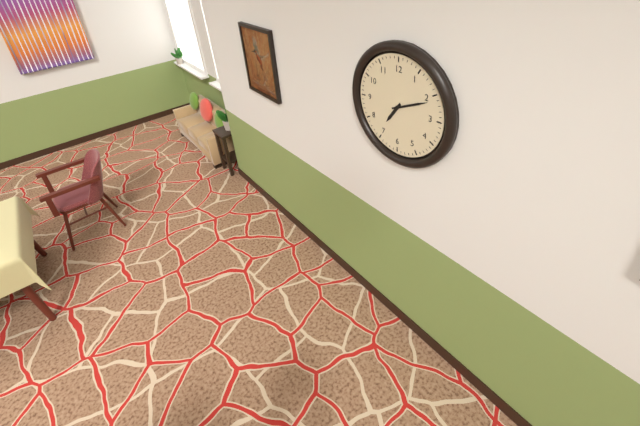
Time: 7h11
